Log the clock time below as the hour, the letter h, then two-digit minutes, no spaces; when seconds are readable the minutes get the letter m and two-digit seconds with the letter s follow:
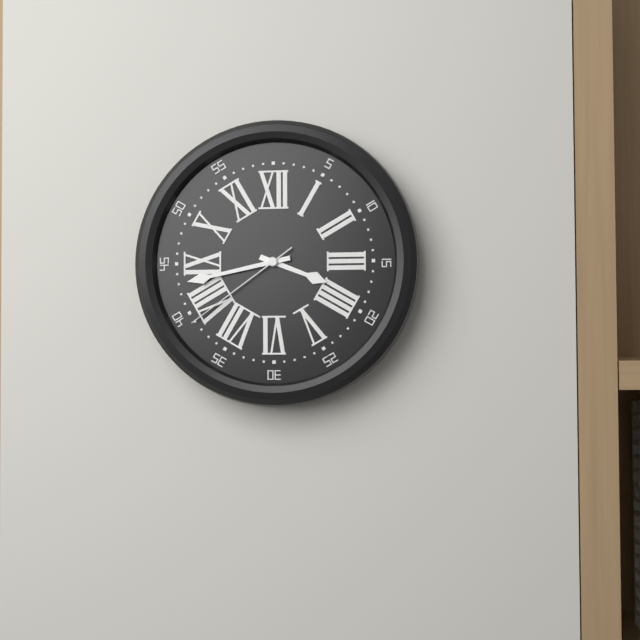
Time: 3h43m39s
